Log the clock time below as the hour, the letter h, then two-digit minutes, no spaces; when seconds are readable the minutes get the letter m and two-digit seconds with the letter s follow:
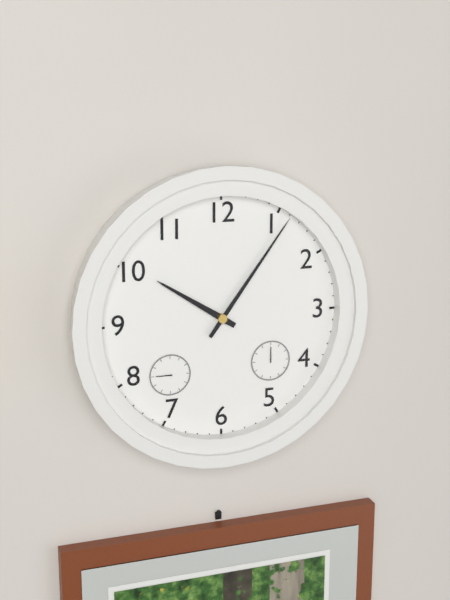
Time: 10h06
